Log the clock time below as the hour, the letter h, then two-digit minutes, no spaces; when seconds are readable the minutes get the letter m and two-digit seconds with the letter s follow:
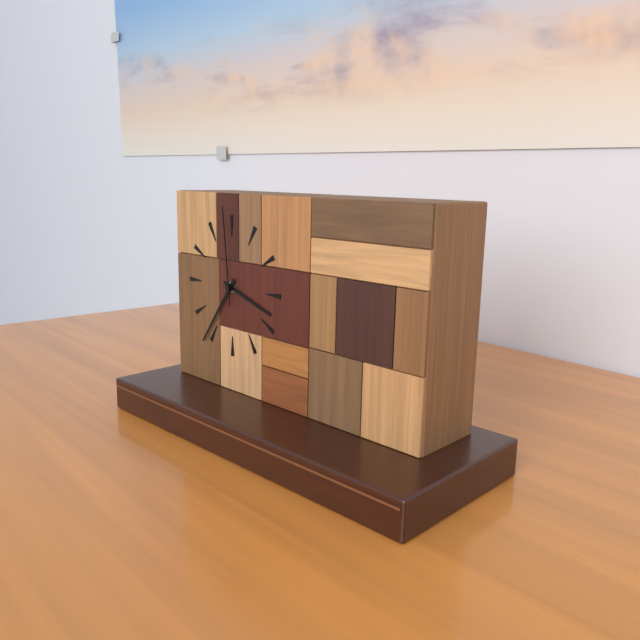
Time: 3h36m59s
